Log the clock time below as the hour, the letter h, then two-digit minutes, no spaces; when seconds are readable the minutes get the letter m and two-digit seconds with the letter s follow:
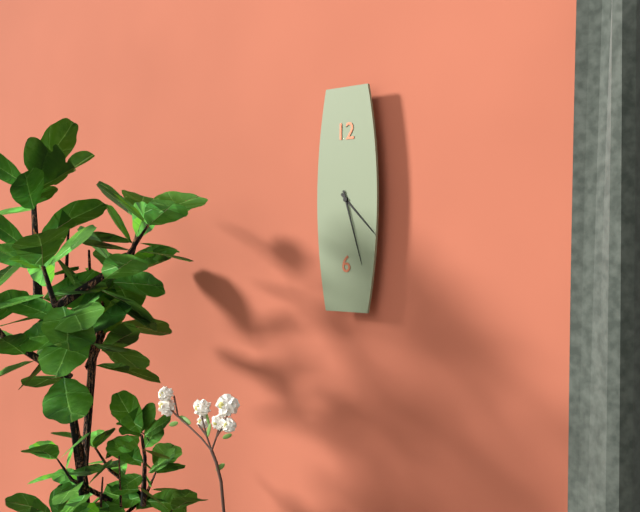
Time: 4h27
